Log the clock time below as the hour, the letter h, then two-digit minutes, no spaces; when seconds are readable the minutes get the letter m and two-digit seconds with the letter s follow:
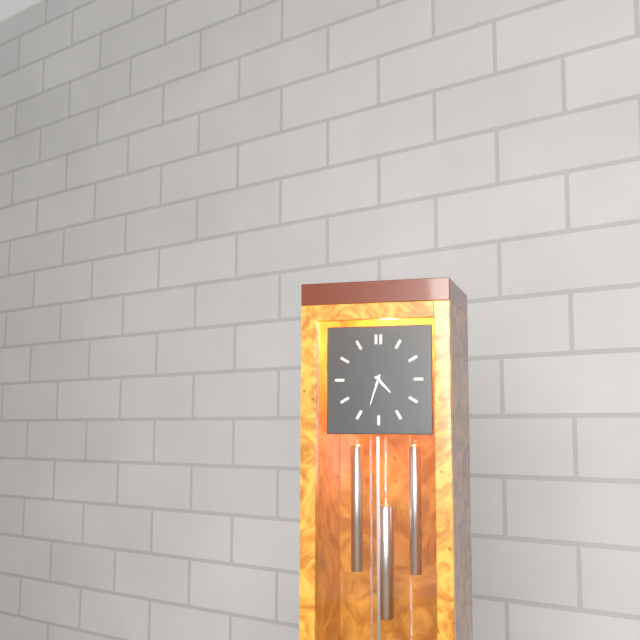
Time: 4h33
